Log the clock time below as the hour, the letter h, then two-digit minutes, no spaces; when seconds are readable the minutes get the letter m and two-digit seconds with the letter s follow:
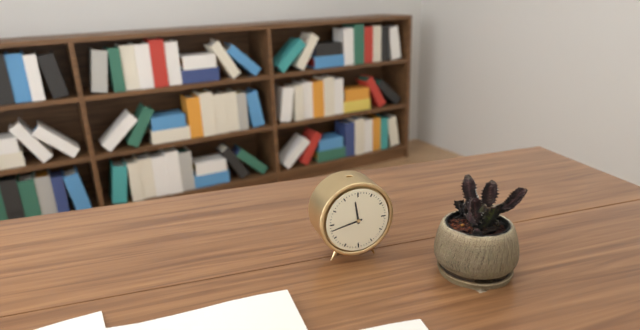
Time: 11h43
